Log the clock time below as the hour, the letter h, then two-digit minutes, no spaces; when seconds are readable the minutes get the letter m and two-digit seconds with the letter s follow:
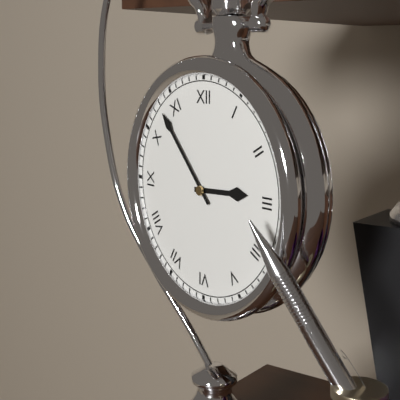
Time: 2h53
